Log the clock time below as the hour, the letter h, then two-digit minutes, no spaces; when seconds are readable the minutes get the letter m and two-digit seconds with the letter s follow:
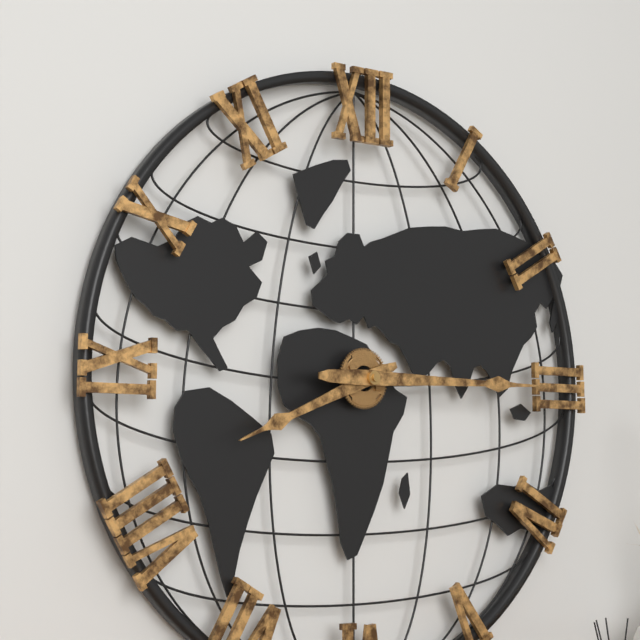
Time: 8h15
